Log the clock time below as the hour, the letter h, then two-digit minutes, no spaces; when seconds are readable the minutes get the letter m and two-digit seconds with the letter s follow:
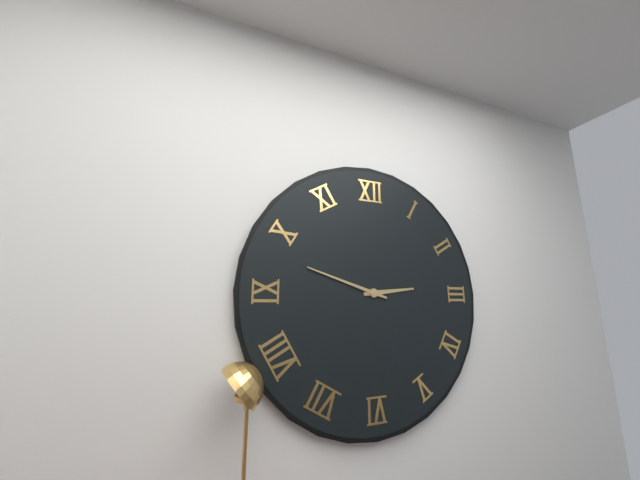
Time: 2h48
